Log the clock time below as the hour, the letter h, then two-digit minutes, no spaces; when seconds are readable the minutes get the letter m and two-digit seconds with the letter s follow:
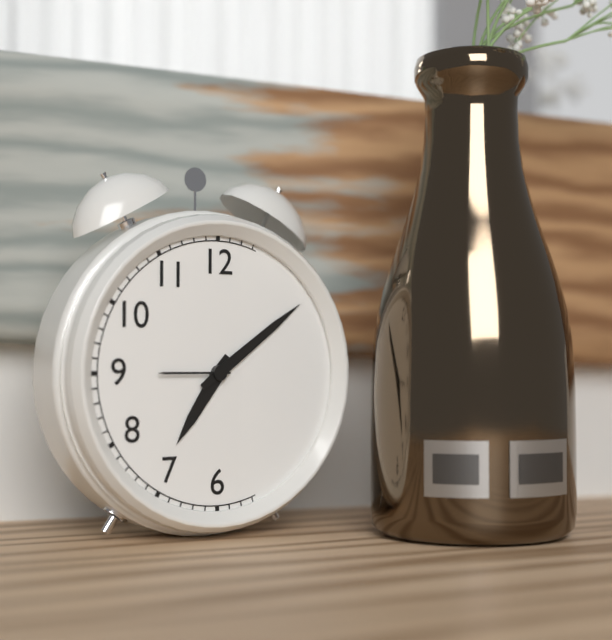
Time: 7h09
